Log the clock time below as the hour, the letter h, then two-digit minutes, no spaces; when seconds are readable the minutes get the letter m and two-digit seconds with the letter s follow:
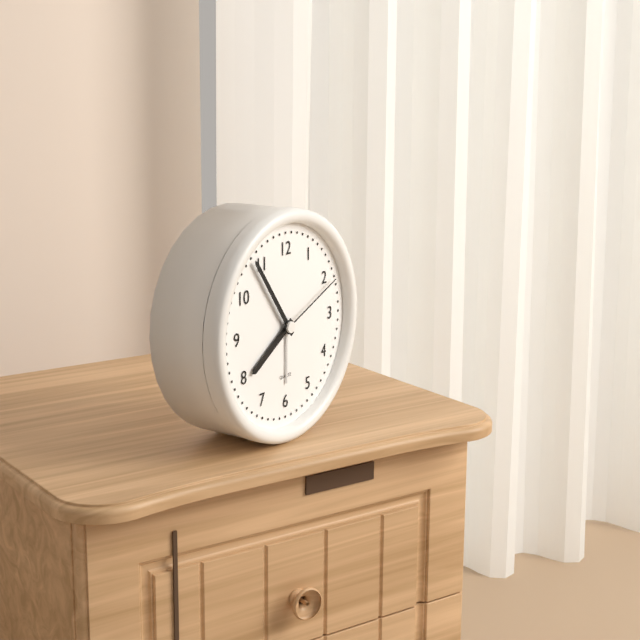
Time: 7h54m11s
